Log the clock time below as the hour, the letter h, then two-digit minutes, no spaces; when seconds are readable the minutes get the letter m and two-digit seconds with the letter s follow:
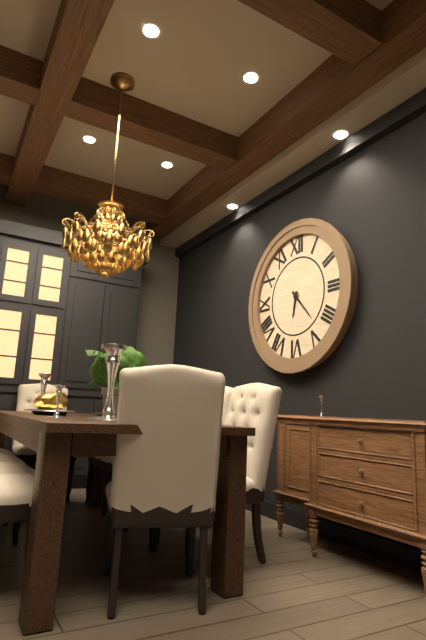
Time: 6h23
